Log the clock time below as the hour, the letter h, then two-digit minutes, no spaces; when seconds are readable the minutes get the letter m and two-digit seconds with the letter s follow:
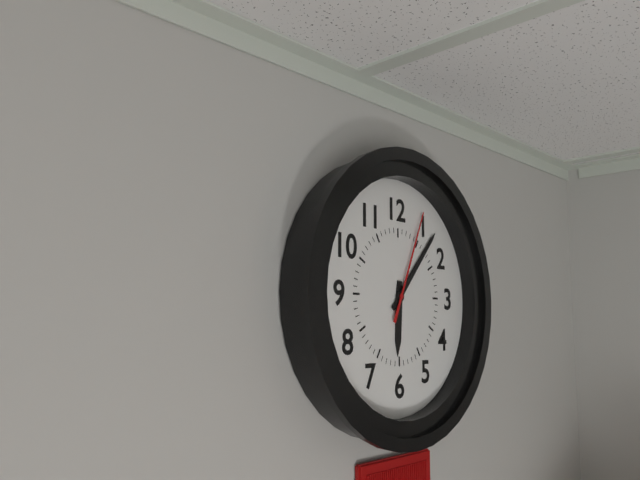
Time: 6h07m04s
